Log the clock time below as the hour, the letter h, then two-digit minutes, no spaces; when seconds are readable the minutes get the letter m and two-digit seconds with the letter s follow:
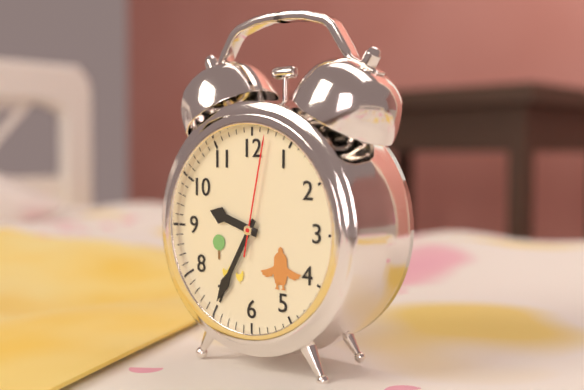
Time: 9h35m02s
